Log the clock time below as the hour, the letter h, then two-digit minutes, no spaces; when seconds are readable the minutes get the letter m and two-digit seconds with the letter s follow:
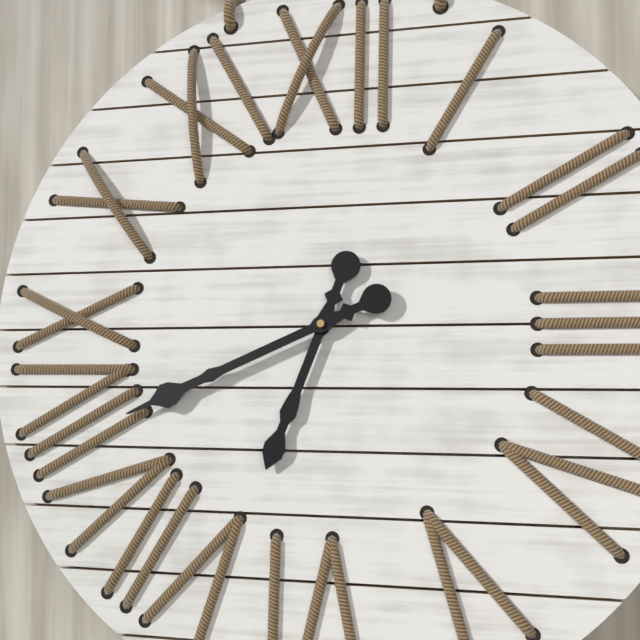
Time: 6h41
